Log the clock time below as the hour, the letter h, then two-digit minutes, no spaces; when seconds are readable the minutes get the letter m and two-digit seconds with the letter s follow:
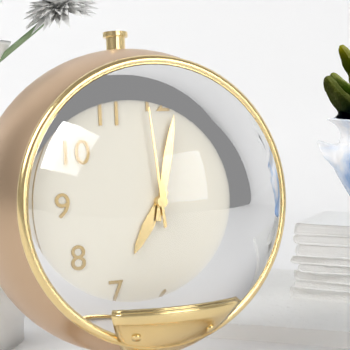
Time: 7h02m59s
